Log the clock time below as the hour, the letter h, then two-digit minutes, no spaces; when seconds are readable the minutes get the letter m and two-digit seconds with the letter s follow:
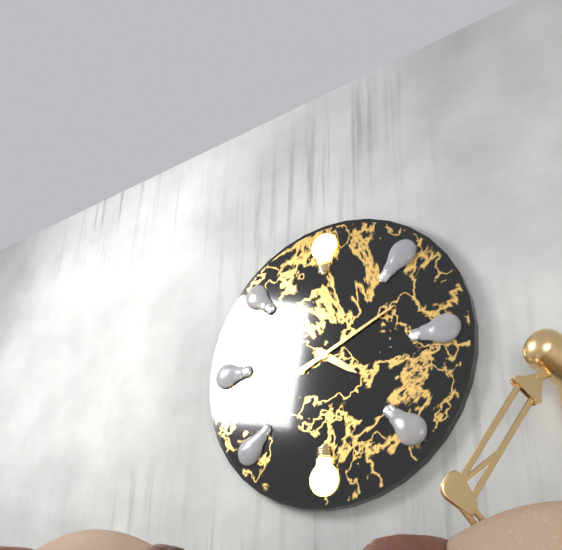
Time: 4h11
